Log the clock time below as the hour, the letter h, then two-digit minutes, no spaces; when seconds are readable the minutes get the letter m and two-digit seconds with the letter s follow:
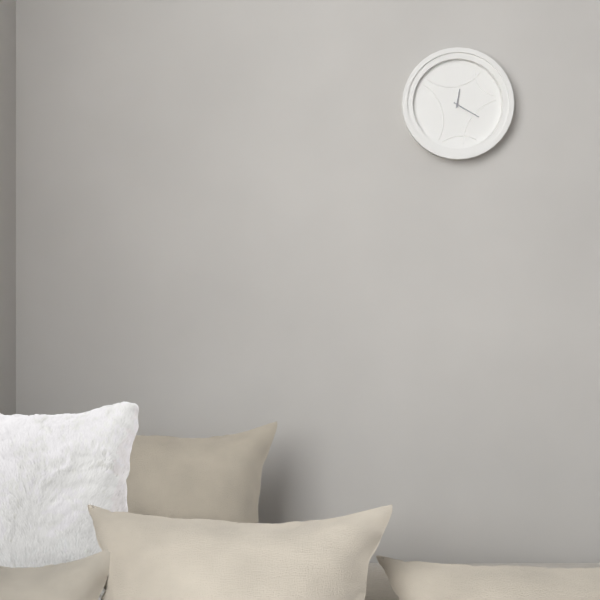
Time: 12h20
